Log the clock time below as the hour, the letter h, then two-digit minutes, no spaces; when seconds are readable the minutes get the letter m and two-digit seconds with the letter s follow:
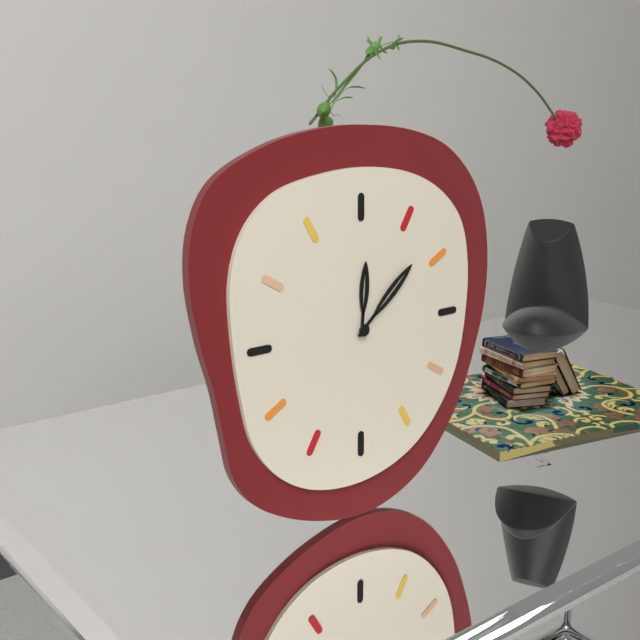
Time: 12h08
